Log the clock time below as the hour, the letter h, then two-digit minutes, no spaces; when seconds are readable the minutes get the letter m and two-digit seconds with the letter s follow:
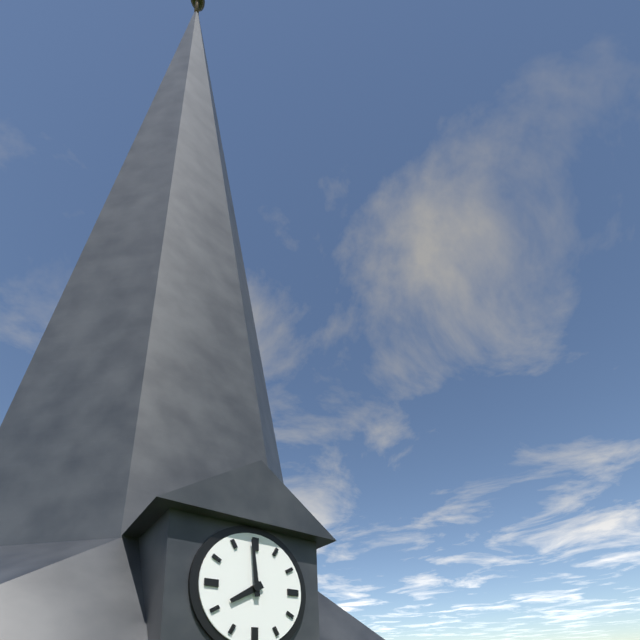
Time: 7h59
